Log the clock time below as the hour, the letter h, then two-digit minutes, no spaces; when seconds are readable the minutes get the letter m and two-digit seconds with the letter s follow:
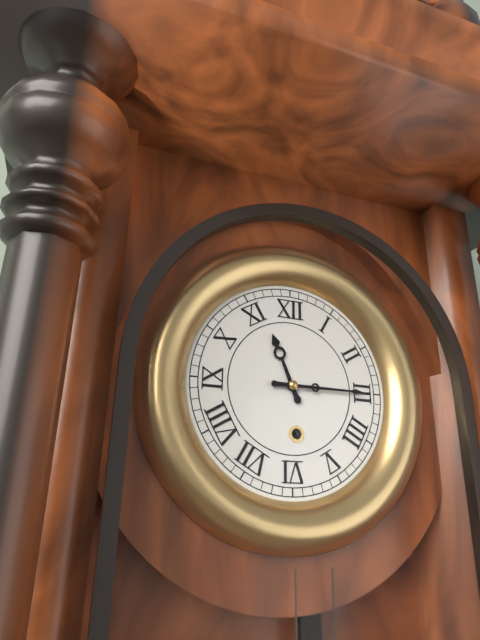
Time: 11h15
